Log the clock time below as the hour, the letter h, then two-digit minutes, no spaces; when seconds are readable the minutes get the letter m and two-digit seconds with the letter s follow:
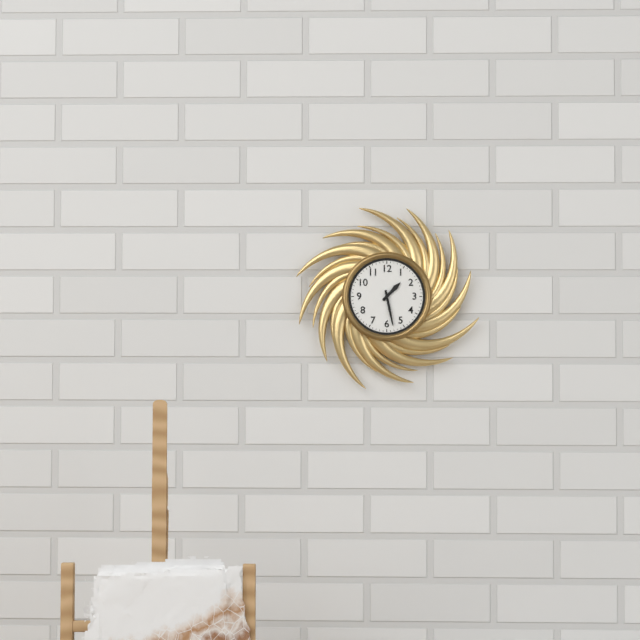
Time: 1h28
